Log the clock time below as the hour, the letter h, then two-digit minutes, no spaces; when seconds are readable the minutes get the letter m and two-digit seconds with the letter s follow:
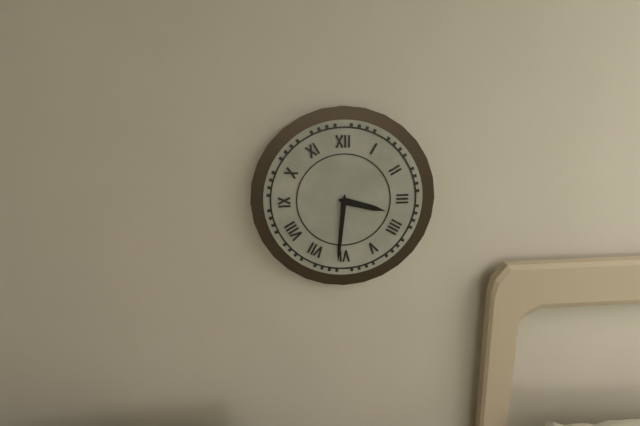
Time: 3h31
